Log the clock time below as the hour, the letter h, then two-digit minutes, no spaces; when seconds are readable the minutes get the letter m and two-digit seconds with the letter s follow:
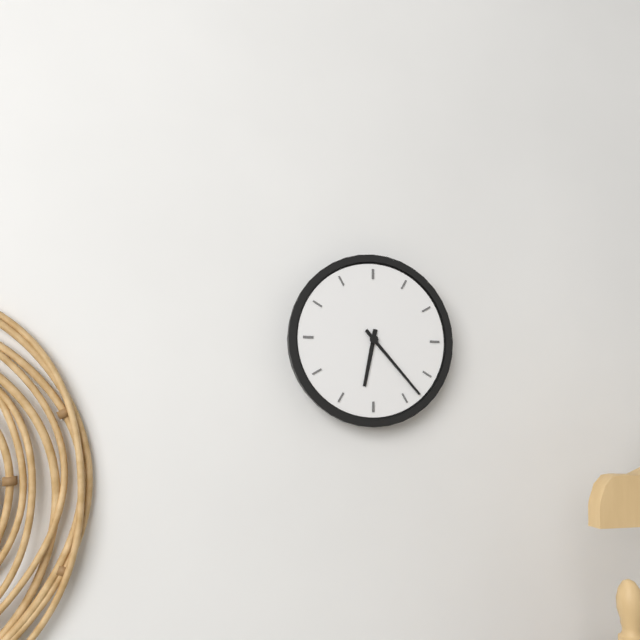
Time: 6h23
